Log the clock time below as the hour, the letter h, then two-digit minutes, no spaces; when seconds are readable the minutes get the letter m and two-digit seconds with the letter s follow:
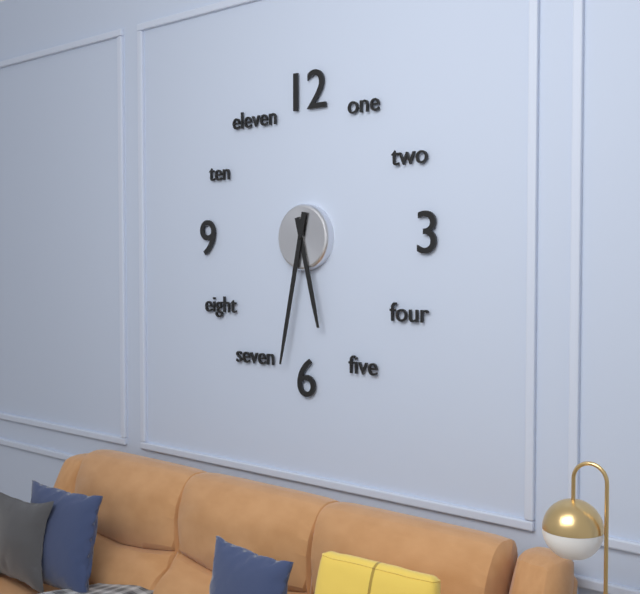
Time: 5h32
